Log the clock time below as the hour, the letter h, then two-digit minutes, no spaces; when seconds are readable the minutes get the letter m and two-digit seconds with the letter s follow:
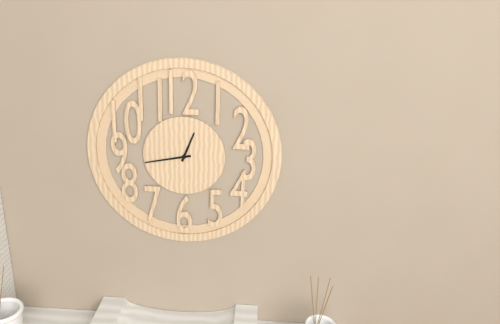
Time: 12h43
